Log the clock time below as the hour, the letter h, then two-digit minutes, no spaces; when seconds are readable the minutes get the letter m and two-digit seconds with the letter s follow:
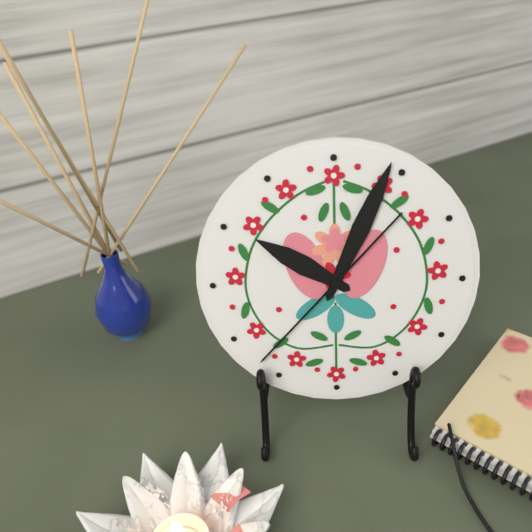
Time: 10h04m37s
